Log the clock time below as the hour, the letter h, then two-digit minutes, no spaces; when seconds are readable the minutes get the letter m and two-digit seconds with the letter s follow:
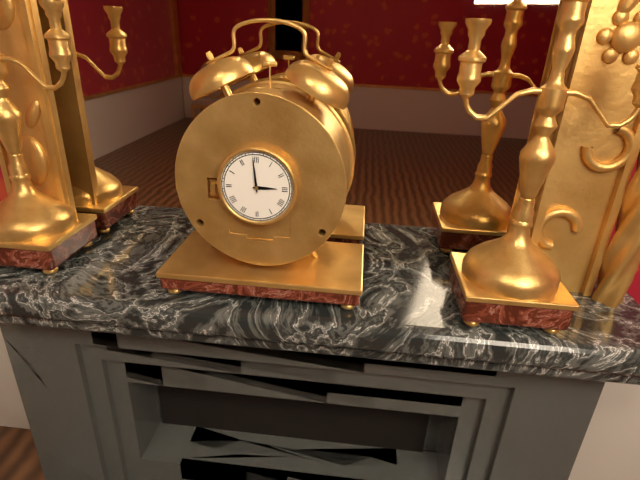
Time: 2h59
